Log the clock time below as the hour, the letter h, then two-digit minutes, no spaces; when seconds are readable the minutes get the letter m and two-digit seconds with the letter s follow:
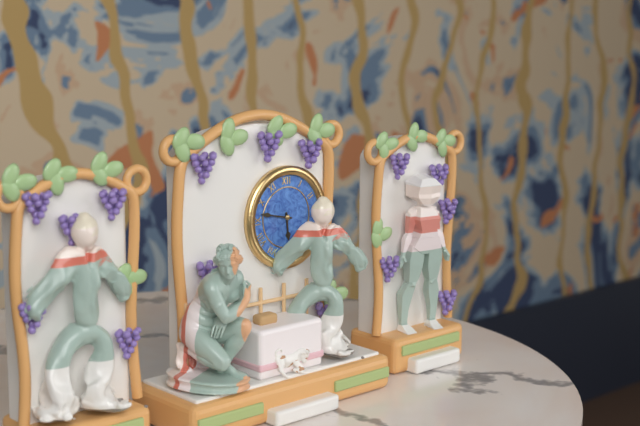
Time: 5h47
